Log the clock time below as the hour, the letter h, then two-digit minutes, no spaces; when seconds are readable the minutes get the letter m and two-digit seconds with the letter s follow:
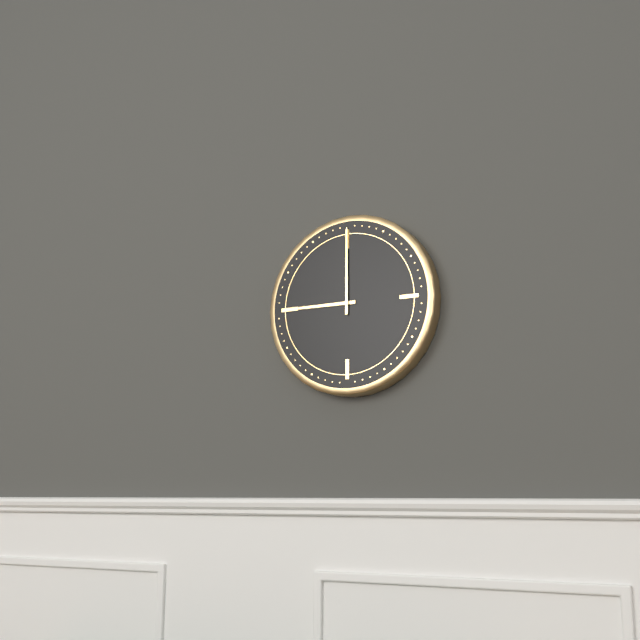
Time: 9h00
